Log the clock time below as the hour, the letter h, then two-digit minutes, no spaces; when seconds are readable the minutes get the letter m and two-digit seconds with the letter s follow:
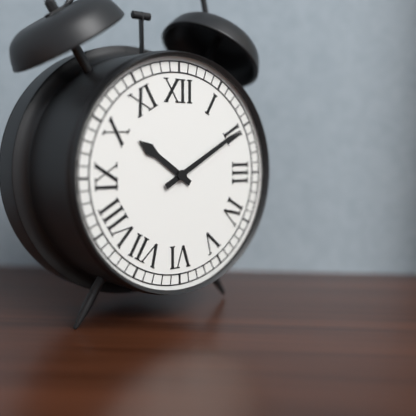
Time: 10h10
